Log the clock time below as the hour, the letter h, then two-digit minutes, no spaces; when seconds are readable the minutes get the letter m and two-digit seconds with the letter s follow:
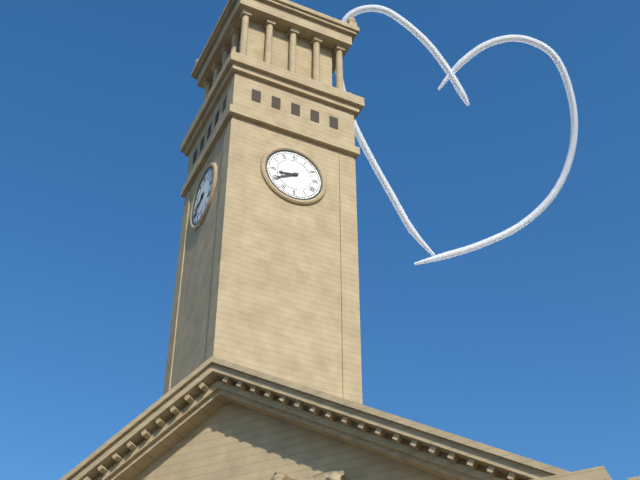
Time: 8h40
